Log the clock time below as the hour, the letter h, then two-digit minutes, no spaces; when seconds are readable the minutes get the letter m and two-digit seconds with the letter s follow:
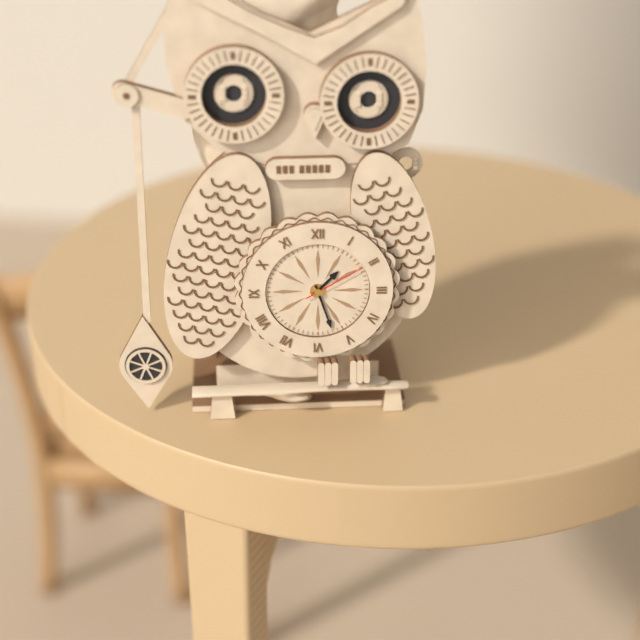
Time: 1h27m10s
